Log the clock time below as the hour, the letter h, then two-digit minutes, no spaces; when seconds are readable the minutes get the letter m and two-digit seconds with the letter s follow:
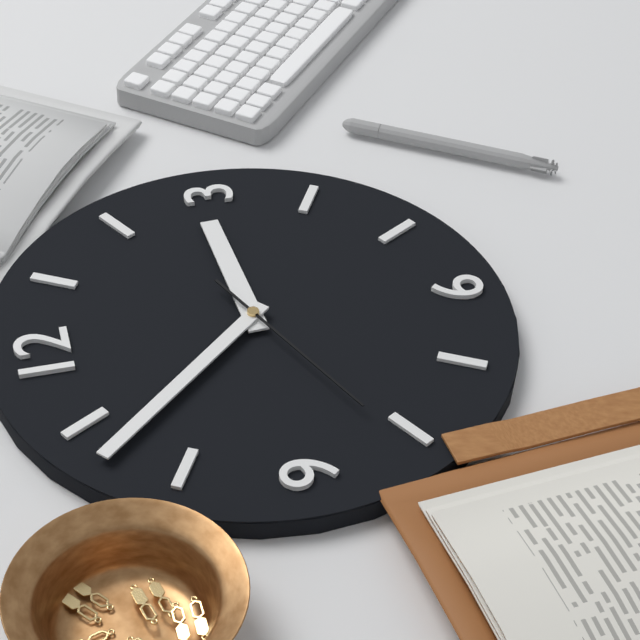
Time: 2h53m41s
